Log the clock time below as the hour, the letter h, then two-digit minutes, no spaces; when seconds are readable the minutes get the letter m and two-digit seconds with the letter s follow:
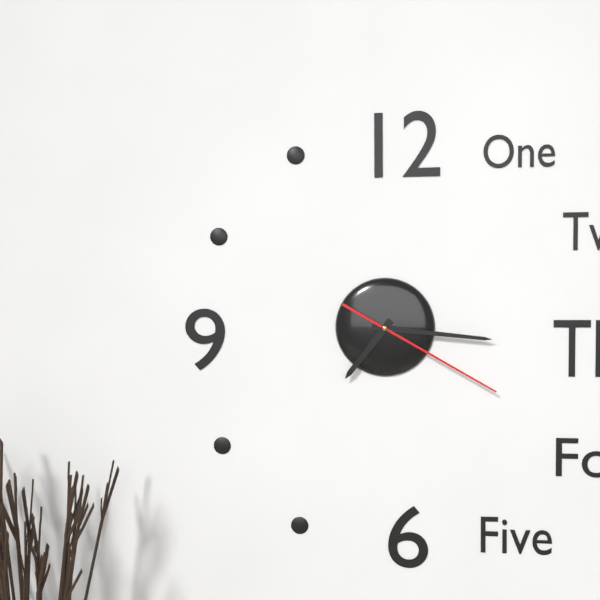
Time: 7h16m20s
